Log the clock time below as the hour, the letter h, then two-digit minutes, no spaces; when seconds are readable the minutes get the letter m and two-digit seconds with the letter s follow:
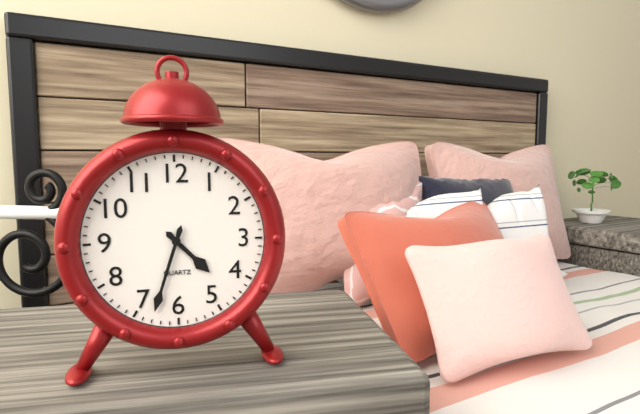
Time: 4h33
